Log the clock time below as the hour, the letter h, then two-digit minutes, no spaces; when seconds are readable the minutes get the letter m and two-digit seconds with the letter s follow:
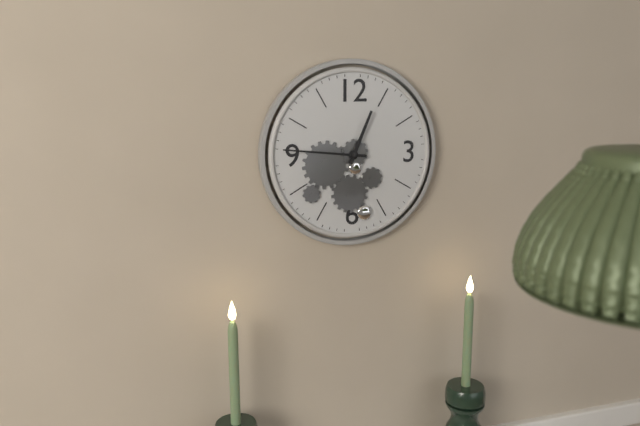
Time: 12h46
